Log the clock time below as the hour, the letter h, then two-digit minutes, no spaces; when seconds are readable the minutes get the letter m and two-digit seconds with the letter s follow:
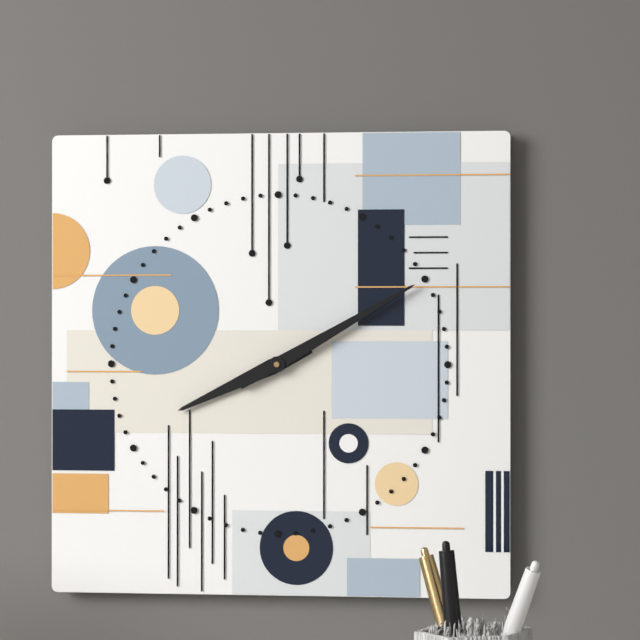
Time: 8h10
